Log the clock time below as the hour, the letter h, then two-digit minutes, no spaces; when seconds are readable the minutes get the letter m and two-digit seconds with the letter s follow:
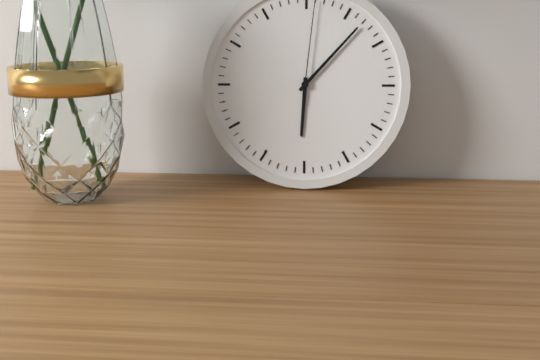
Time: 6h07
